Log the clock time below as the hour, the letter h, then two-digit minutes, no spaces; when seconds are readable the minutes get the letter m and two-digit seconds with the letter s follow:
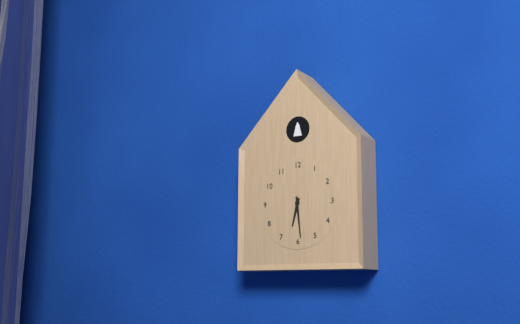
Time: 6h29
